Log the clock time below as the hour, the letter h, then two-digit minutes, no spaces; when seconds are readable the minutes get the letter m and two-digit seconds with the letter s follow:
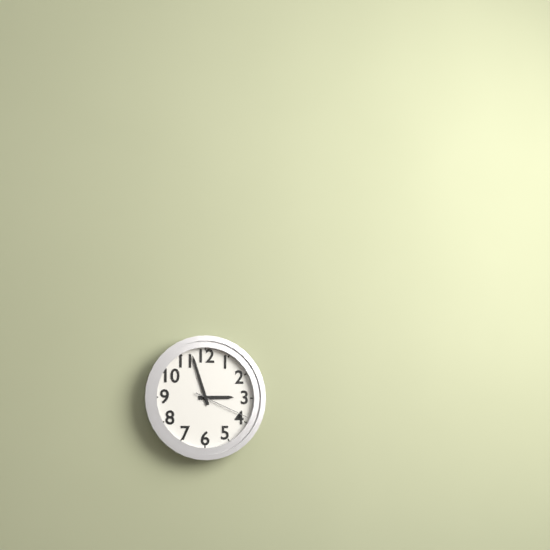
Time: 2h57m19s
